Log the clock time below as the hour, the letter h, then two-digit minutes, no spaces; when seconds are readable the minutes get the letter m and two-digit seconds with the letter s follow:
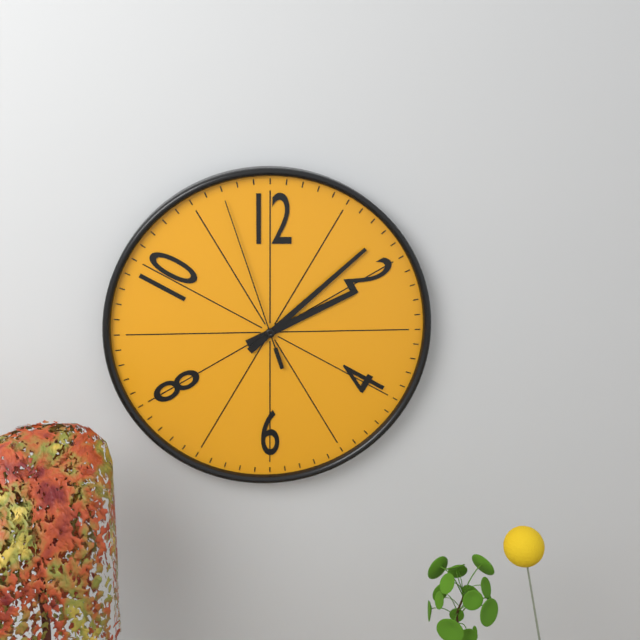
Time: 2h08m57s
